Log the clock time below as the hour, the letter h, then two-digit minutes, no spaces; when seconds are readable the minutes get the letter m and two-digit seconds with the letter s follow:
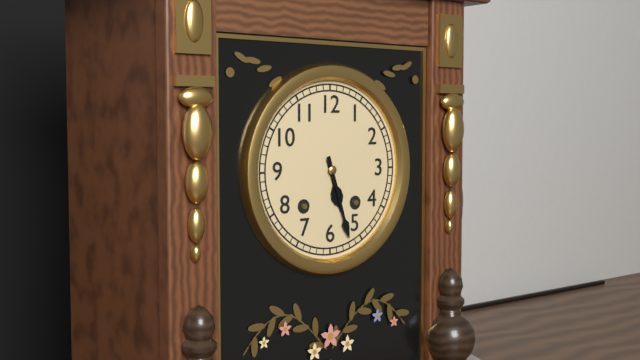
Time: 5h27
